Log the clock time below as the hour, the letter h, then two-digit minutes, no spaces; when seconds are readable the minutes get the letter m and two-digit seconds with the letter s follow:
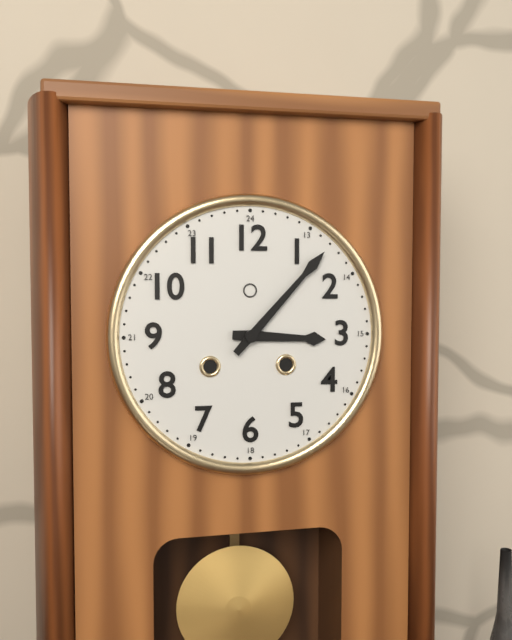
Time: 3h07
